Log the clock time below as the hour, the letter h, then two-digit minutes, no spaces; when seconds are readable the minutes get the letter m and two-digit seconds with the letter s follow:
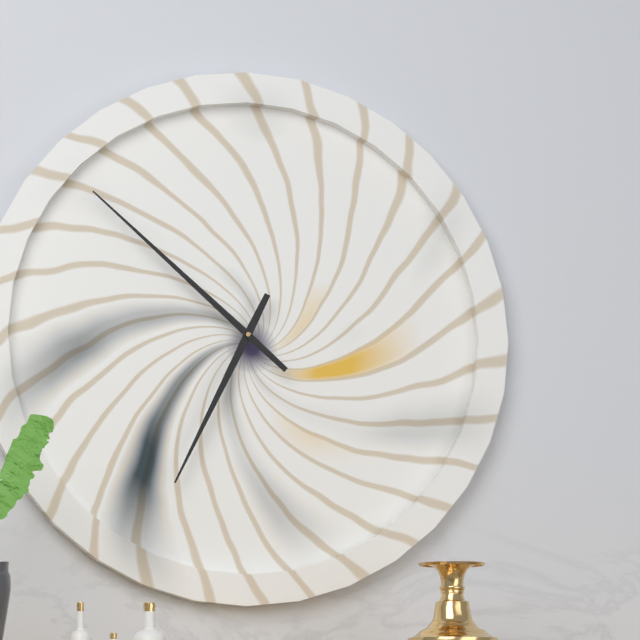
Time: 6h52
